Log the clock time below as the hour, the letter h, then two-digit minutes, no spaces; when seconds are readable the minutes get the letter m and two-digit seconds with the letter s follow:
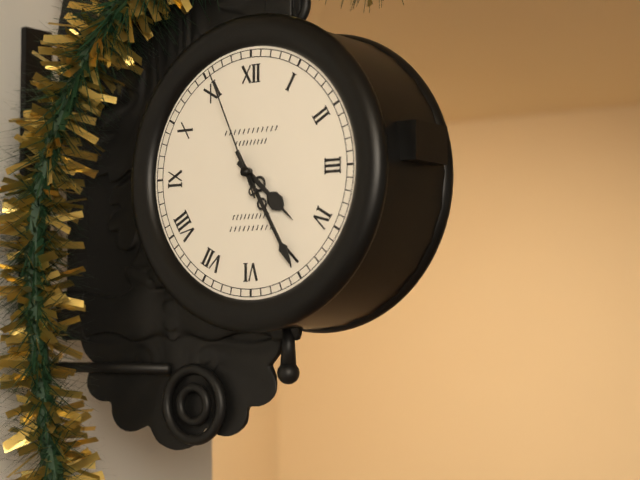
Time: 4h25m56s
